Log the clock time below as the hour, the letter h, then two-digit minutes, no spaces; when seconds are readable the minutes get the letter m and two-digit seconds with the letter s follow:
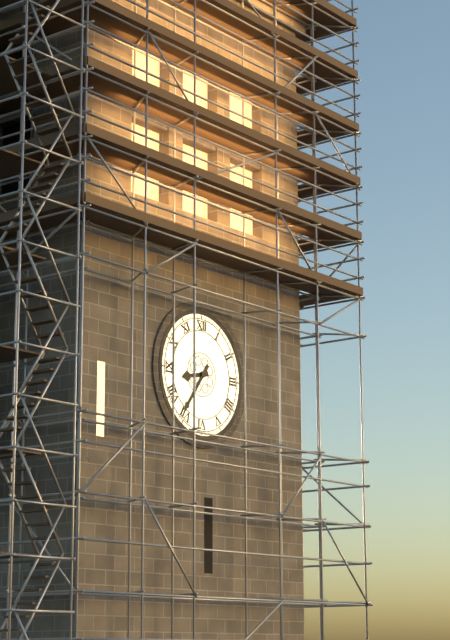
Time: 8h36
